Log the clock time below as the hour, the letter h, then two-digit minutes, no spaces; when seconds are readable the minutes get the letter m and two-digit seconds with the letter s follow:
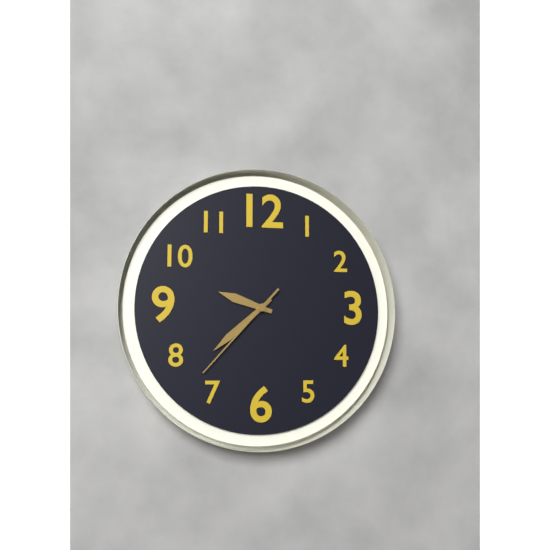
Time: 9h38m37s
